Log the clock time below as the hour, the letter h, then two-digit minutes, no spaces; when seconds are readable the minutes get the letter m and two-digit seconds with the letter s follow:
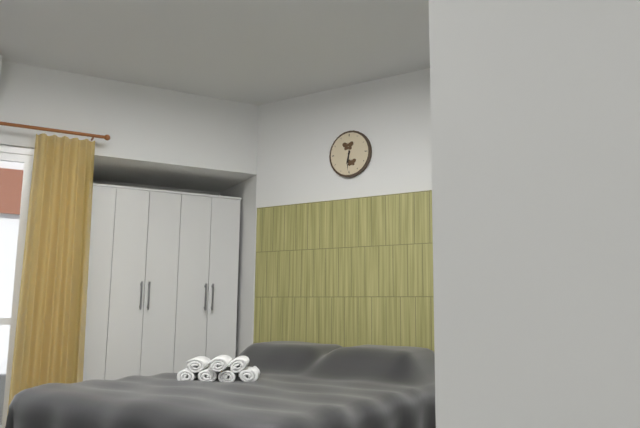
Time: 6h31
